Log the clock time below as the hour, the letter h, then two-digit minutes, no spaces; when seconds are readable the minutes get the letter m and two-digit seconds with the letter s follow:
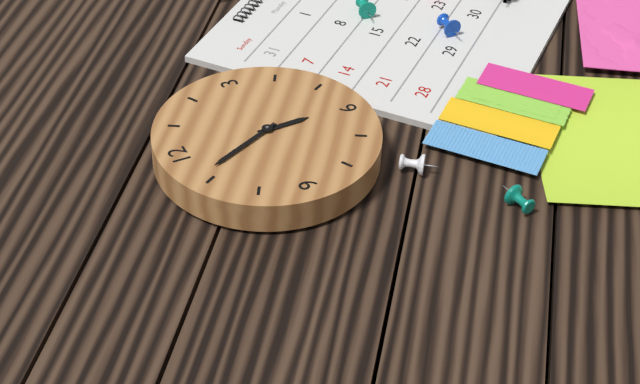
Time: 5h56
